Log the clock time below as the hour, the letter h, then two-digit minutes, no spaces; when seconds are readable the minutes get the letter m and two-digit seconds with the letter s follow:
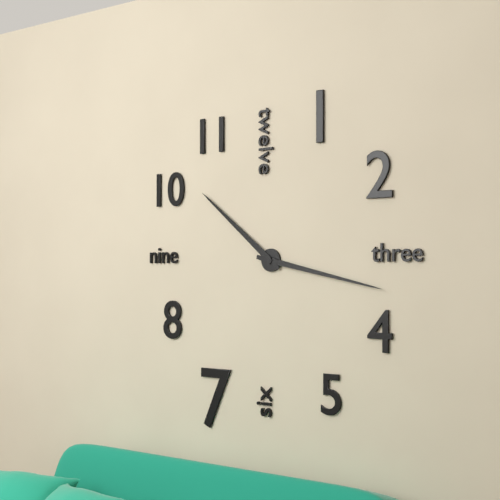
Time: 10h17
